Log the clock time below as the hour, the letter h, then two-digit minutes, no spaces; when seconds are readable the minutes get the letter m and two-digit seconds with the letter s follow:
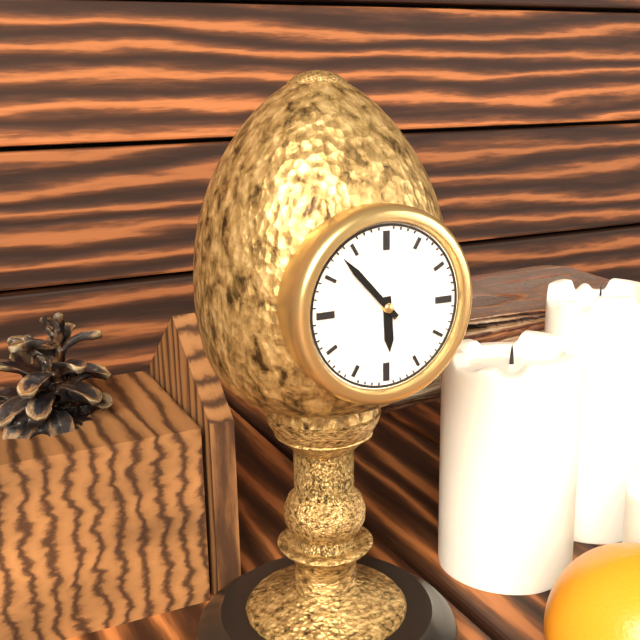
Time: 5h53
